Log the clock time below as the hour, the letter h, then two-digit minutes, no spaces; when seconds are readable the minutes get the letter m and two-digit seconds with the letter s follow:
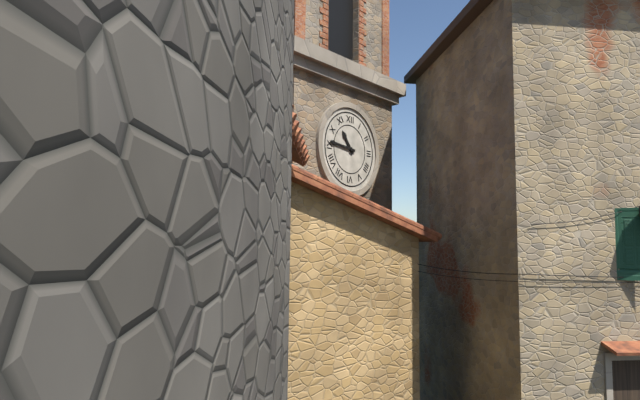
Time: 10h46
